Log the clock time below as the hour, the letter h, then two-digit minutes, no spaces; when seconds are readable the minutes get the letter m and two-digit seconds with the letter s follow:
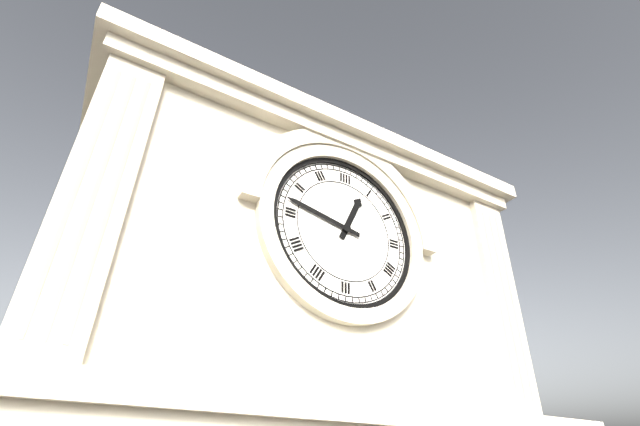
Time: 12h47
